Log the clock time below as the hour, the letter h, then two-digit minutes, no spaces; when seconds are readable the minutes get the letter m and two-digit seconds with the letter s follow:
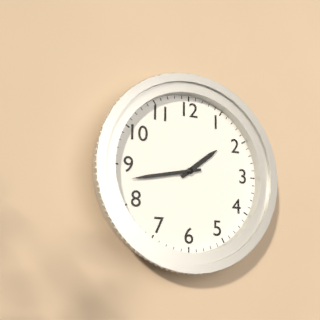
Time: 1h43
